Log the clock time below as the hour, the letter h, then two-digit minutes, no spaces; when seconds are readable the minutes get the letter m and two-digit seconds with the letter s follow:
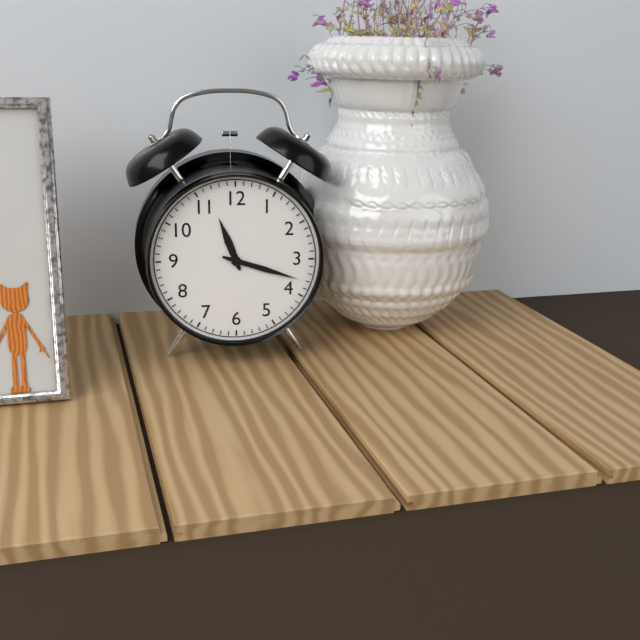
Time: 11h18
